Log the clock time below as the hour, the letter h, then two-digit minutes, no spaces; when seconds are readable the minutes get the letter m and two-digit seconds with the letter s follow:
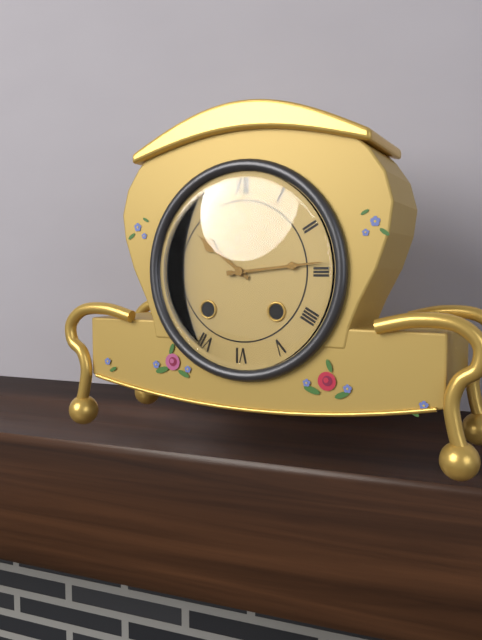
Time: 10h14
